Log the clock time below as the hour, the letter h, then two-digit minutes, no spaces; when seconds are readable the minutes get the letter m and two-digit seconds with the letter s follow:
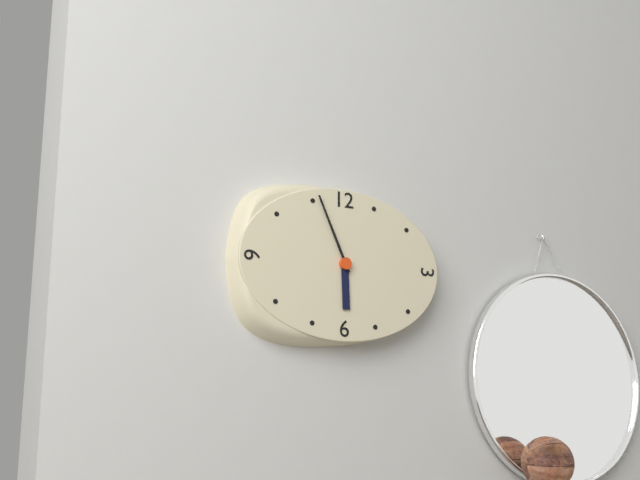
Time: 5h56
